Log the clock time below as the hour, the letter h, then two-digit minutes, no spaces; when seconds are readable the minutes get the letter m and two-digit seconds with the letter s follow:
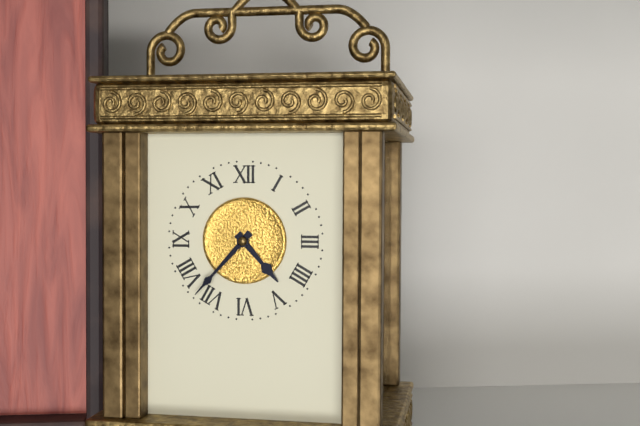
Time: 4h37
